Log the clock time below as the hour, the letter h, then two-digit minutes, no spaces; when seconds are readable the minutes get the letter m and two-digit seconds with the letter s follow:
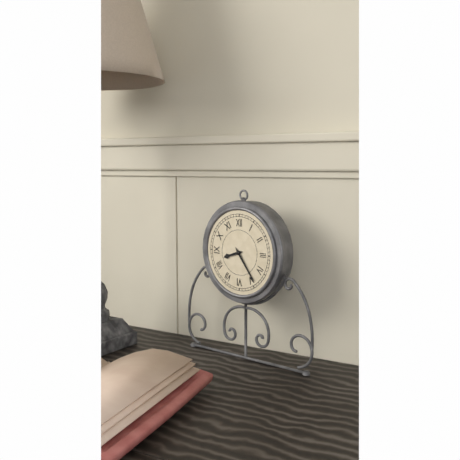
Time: 8h24
